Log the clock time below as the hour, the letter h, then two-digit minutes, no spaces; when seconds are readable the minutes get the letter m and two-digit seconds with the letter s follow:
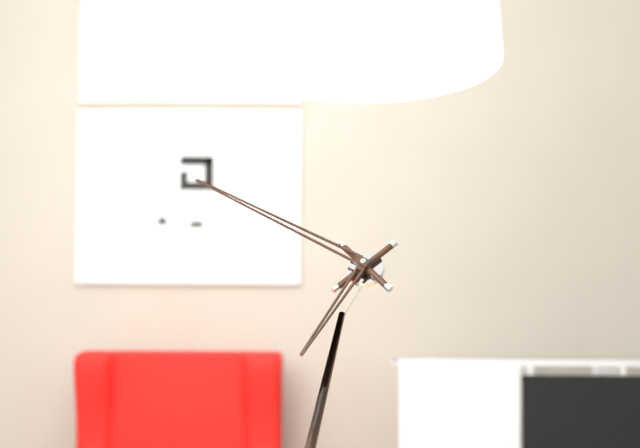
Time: 6h50
